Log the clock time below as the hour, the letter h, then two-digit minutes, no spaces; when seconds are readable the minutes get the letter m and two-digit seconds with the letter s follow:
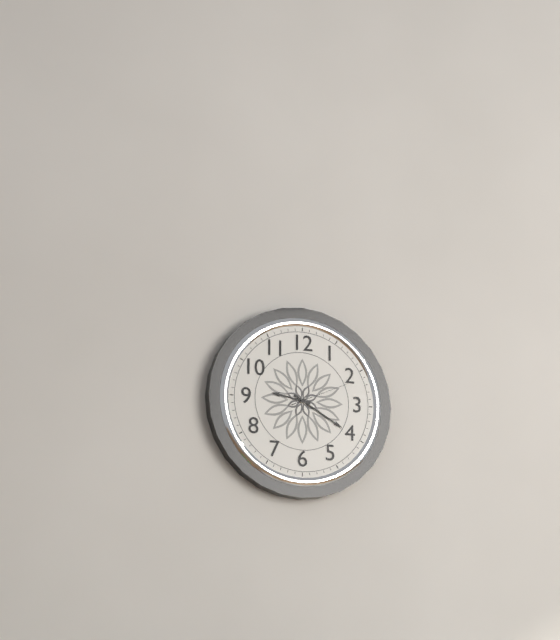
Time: 9h20m11s
